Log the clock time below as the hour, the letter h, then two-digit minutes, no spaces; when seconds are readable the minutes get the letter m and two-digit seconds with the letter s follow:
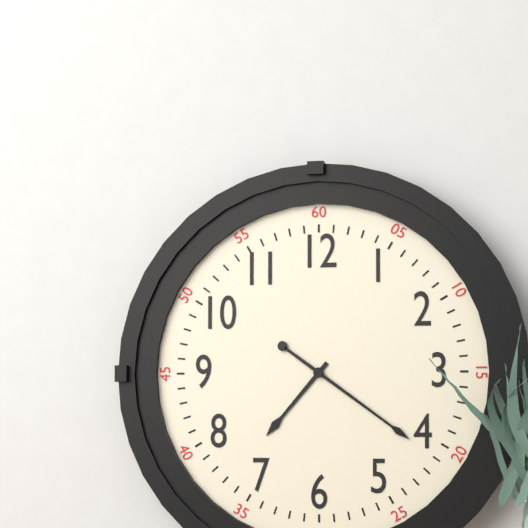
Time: 7h21
